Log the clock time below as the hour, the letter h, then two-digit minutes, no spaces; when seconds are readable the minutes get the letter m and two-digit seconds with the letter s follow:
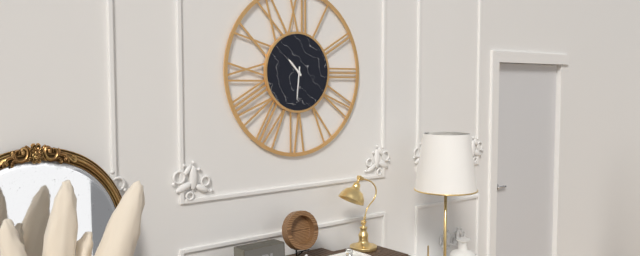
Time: 10h31
